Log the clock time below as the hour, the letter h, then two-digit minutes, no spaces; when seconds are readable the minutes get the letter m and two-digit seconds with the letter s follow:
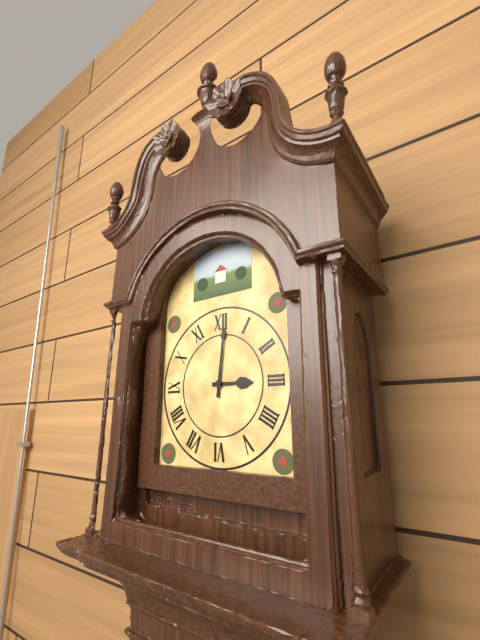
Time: 3h01
